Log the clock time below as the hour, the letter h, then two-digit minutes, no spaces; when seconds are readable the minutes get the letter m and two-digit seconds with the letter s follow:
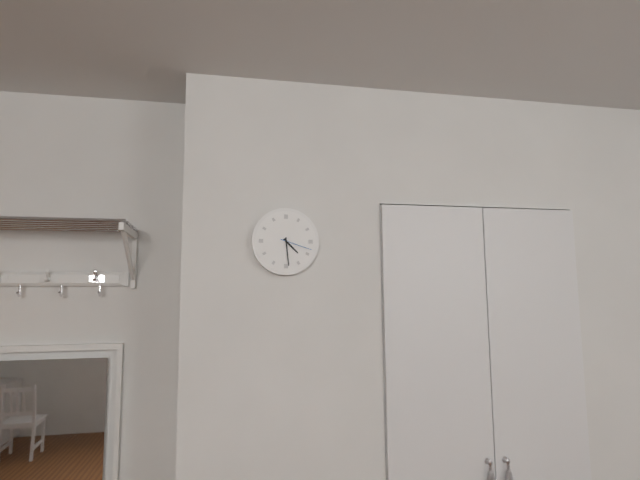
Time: 4h29
